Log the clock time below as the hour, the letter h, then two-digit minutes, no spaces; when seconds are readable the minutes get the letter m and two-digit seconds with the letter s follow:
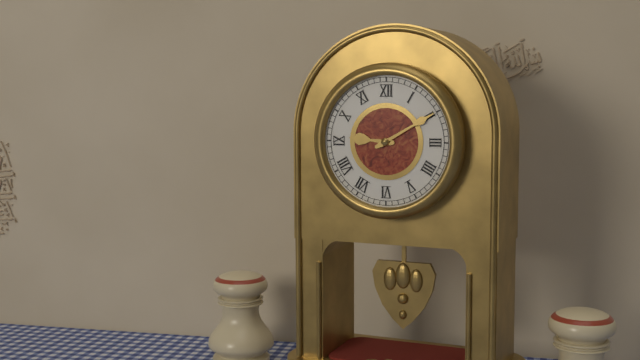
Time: 9h10
